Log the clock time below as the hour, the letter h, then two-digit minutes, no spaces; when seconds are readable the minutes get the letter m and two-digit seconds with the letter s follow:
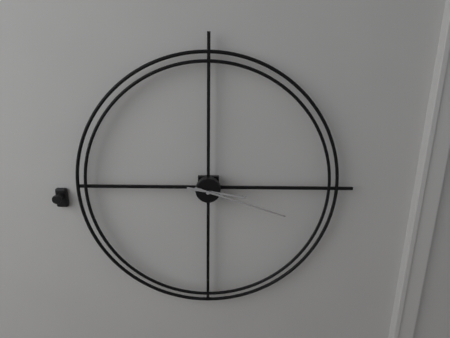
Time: 3h18
